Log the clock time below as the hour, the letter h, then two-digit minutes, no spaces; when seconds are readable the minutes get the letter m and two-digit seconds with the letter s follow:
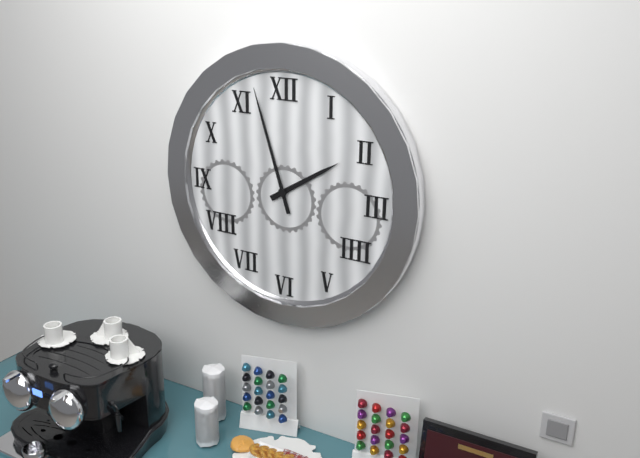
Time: 1h57
